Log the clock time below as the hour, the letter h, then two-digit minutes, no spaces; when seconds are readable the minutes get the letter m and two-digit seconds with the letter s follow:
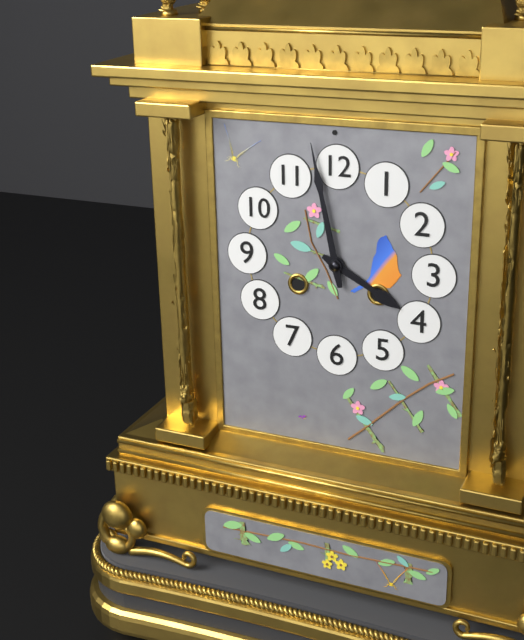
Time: 3h58
